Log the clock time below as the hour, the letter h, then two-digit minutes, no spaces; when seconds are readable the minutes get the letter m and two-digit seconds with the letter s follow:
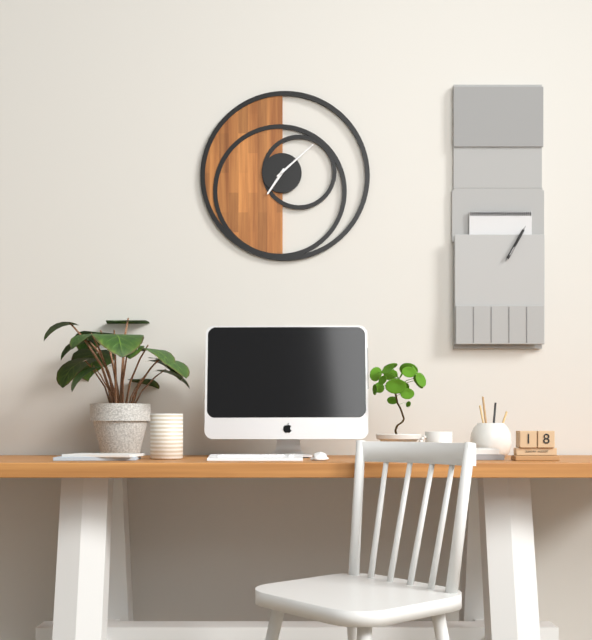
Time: 7h08
